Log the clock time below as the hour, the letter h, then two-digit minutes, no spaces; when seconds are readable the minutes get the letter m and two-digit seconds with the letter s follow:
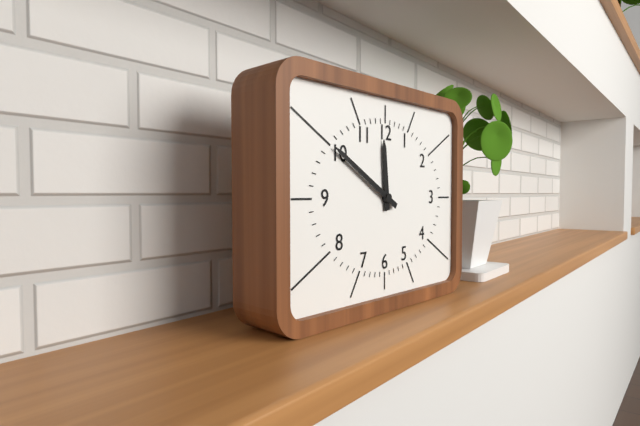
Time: 11h50
